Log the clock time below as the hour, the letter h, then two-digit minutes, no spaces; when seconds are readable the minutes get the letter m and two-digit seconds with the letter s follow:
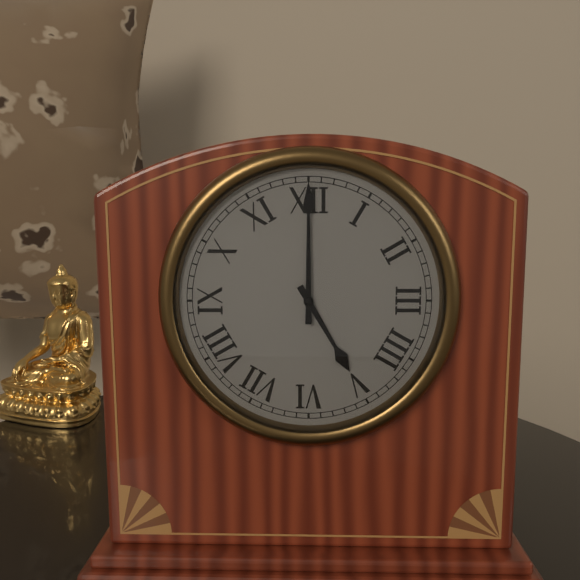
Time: 5h00
